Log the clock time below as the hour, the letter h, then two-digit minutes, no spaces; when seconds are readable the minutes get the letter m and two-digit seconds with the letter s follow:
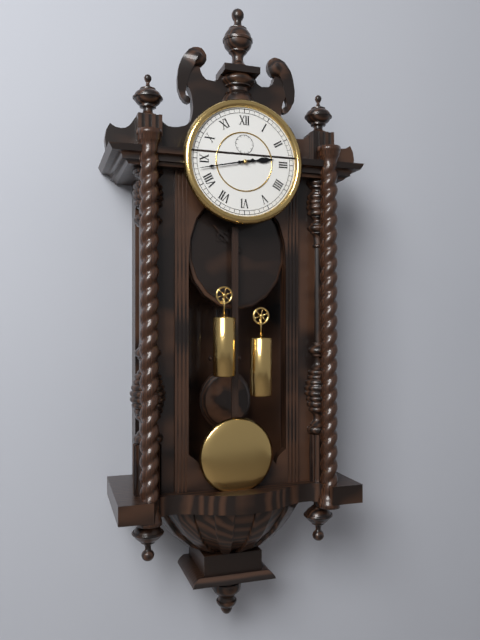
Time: 2h43
